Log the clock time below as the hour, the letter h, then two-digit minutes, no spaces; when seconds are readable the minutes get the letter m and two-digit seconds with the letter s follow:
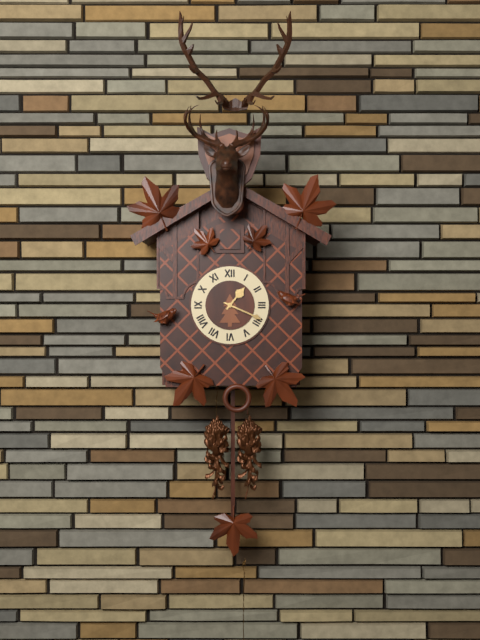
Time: 1h19
